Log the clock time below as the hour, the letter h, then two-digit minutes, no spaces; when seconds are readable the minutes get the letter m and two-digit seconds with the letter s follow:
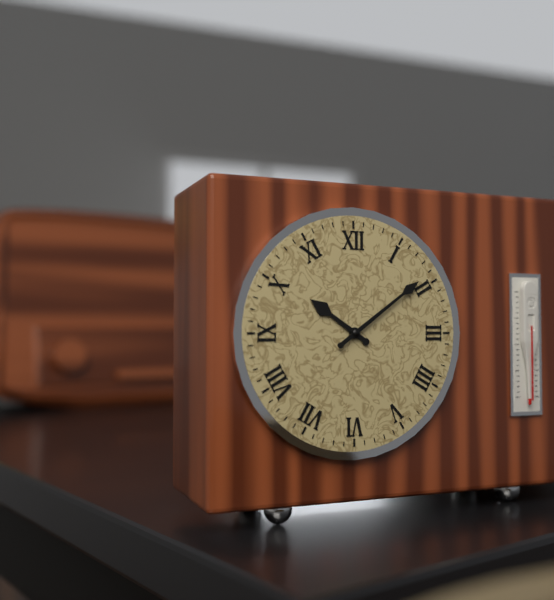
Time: 10h09
